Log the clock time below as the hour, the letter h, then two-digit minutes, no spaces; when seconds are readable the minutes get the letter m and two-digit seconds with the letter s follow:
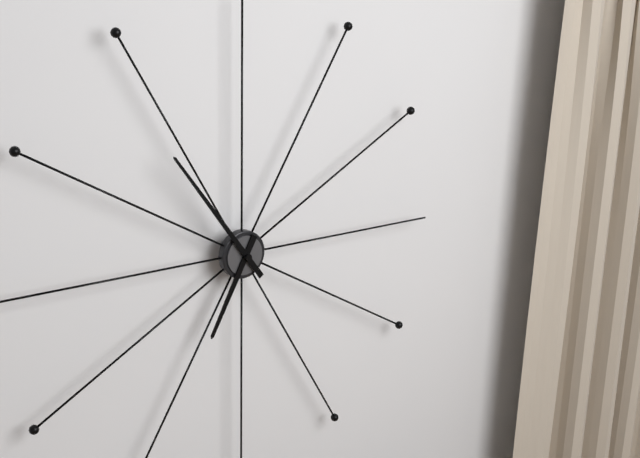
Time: 6h54
